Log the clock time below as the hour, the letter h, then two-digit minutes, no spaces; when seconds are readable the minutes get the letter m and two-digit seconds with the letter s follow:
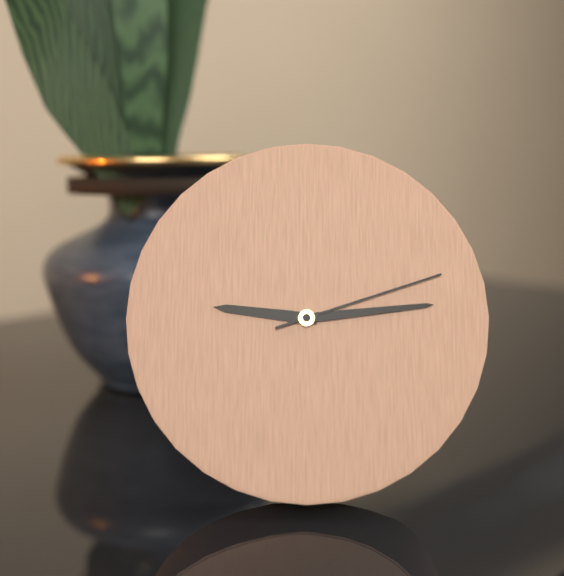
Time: 9h14m12s
